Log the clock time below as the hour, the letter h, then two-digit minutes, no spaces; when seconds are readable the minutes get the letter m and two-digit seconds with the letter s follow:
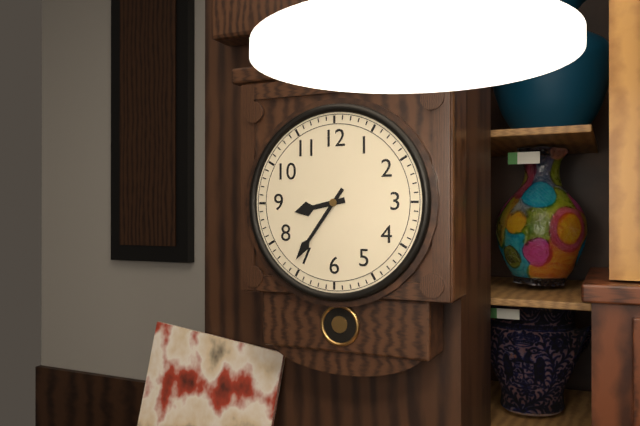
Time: 8h36
